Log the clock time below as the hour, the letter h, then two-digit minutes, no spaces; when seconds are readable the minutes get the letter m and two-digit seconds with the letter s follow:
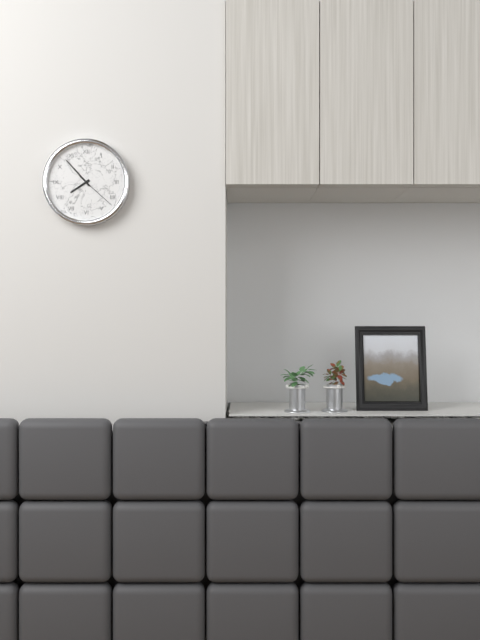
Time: 7h53
